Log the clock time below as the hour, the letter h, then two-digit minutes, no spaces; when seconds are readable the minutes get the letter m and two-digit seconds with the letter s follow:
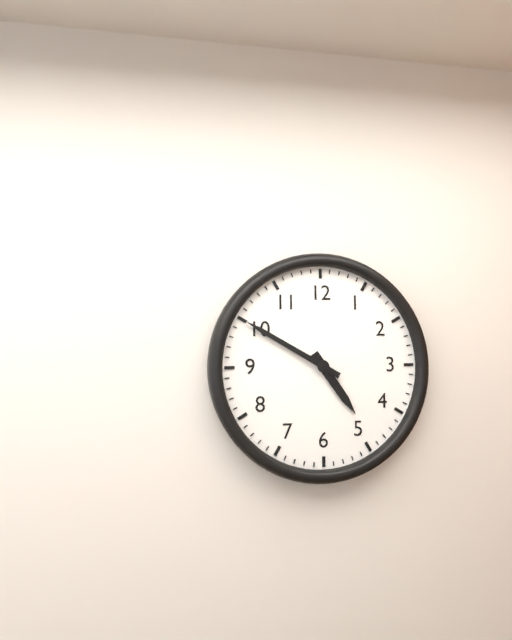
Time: 4h50
